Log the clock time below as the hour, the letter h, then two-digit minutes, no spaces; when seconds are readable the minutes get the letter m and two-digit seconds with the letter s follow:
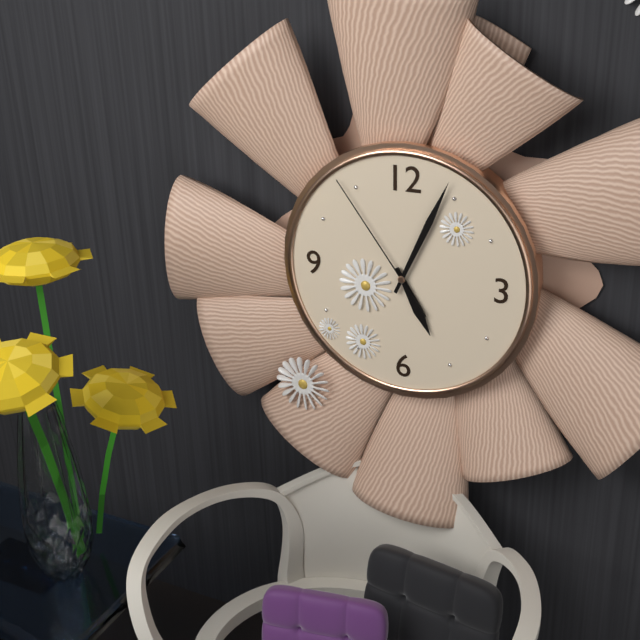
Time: 5h04m54s
